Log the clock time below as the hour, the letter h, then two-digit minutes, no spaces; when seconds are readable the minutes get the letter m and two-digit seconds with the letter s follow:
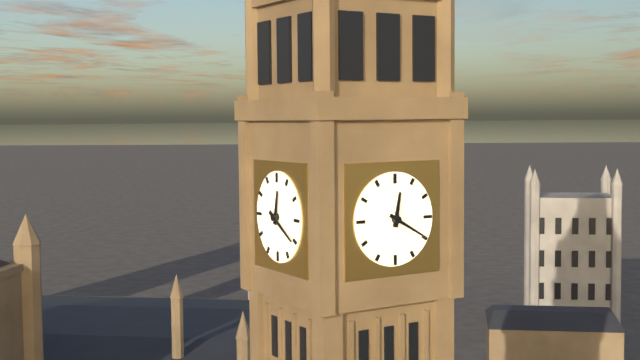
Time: 12h20
